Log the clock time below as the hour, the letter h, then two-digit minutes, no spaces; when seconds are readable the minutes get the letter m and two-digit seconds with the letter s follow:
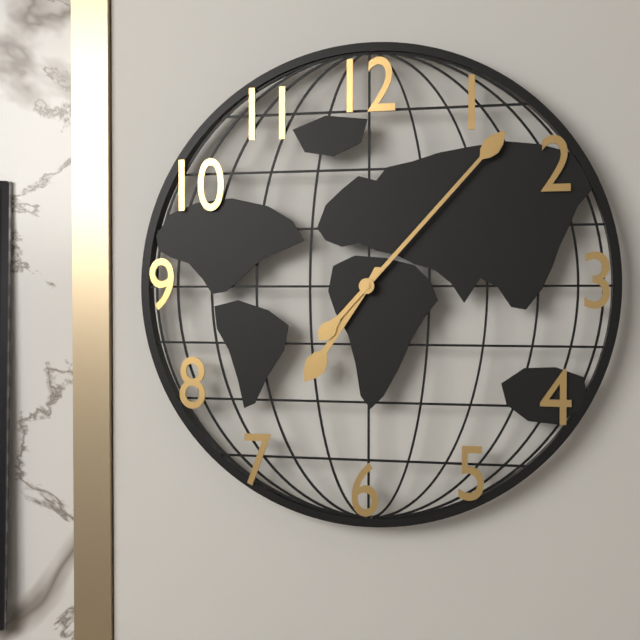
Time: 7h07
